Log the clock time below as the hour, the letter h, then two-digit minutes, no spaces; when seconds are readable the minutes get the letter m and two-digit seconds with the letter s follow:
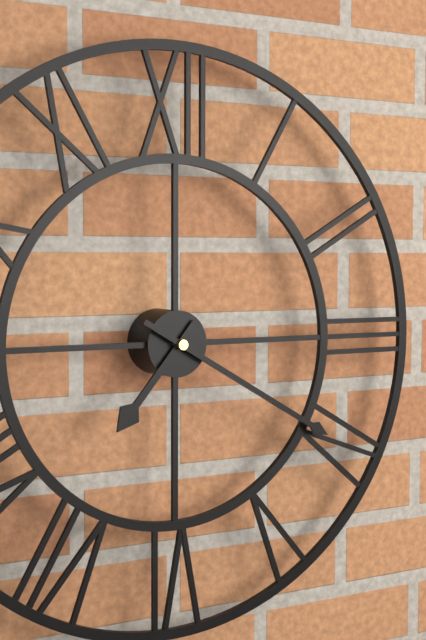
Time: 7h20
